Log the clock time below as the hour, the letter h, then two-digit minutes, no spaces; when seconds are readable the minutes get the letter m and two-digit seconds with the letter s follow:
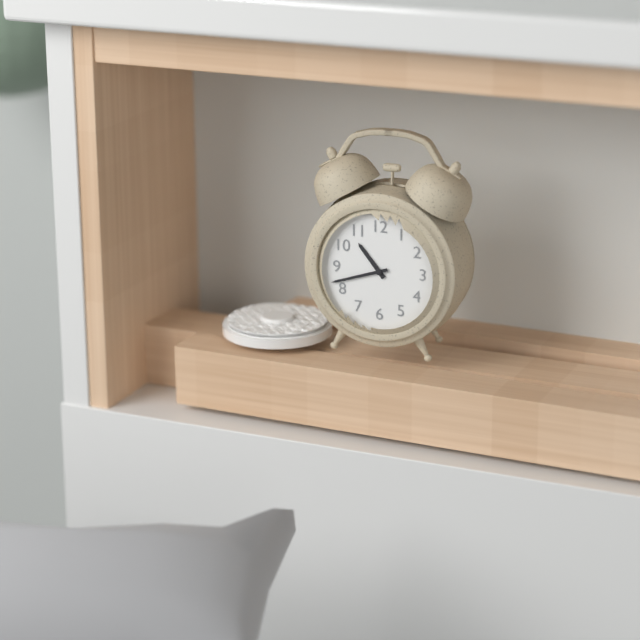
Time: 10h42
